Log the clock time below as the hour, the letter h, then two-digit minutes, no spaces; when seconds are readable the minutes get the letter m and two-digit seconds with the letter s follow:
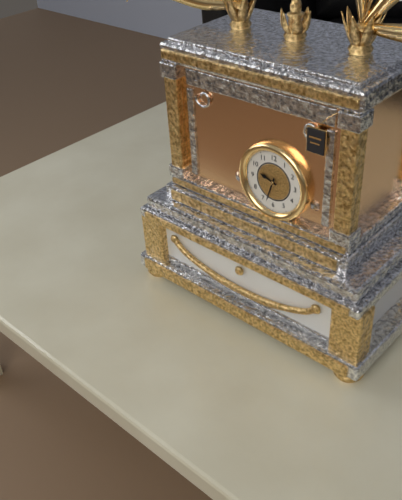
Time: 9h33
